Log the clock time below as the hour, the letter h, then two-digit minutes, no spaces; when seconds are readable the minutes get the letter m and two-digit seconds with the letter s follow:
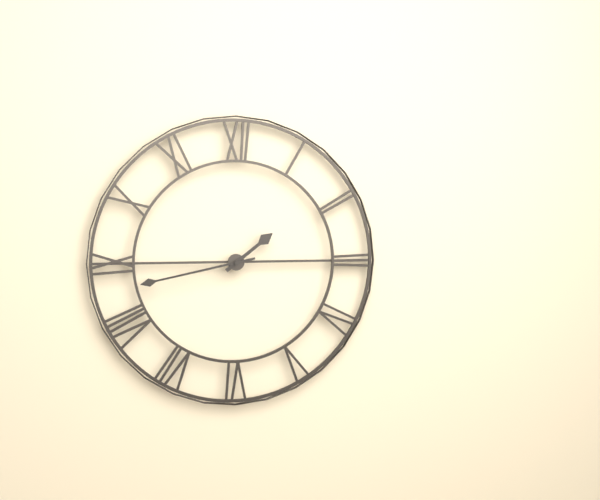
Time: 1h43
